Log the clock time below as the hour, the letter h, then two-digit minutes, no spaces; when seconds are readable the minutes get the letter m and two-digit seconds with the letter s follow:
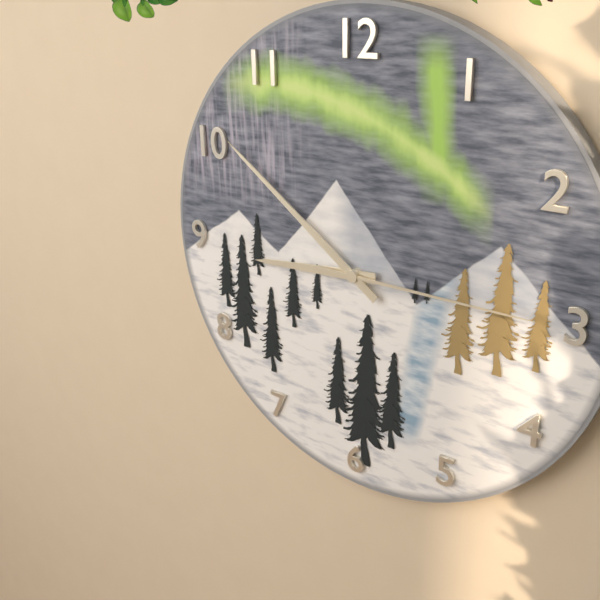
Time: 8h51m15s
